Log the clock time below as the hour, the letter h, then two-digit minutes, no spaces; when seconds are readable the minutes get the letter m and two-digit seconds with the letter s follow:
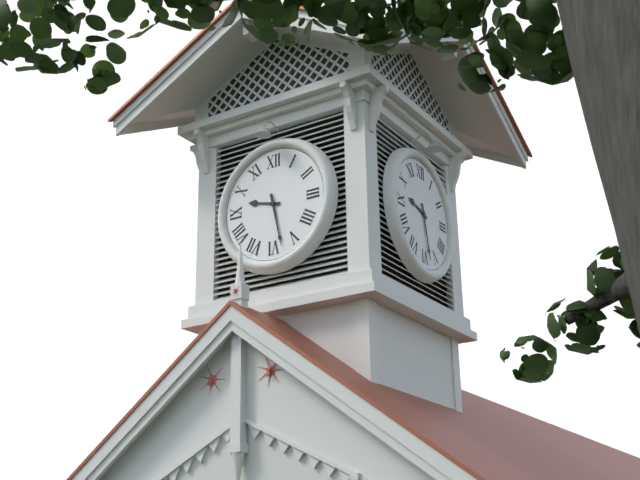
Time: 9h28
